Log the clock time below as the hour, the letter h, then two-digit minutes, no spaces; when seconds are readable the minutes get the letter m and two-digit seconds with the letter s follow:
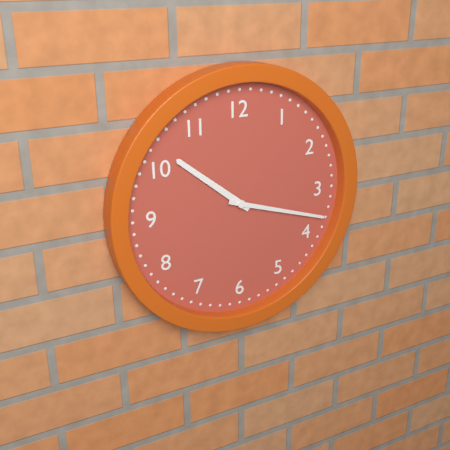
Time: 10h18
